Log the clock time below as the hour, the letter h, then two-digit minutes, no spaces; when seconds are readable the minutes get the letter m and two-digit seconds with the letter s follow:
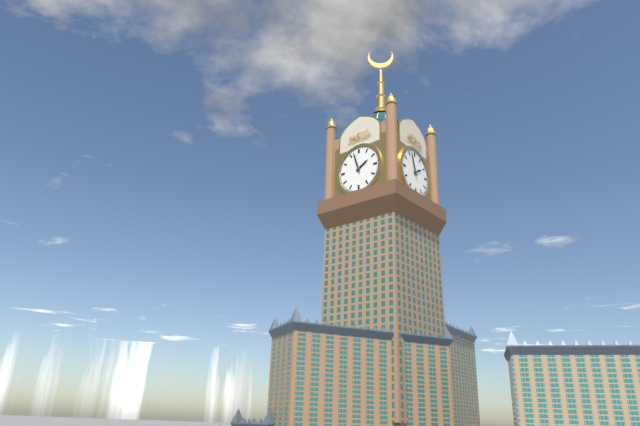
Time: 1h57
